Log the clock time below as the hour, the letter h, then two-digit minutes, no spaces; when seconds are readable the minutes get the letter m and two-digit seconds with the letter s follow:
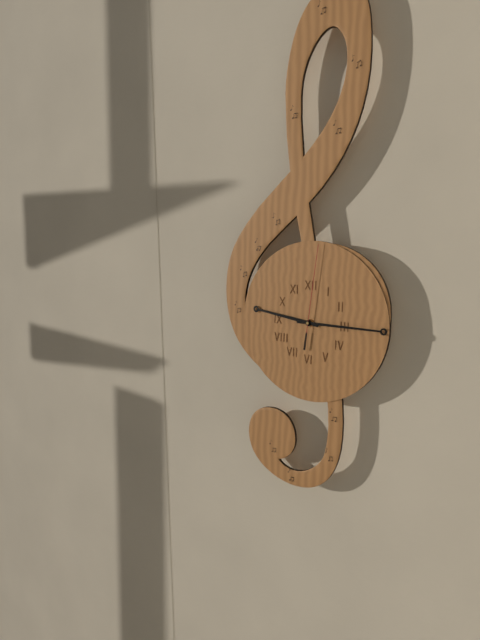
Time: 9h15m01s
